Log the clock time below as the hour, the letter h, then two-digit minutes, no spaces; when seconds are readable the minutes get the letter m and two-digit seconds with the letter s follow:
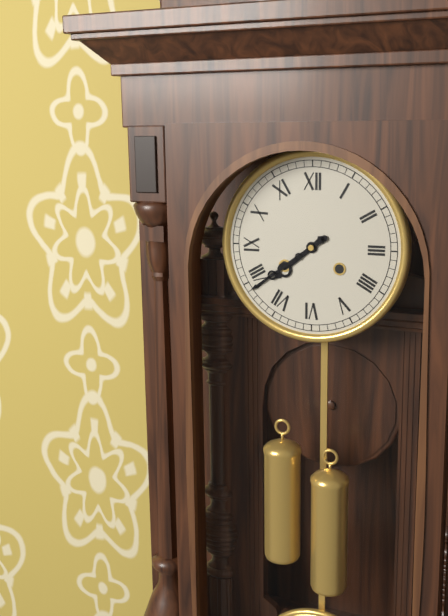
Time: 7h39
